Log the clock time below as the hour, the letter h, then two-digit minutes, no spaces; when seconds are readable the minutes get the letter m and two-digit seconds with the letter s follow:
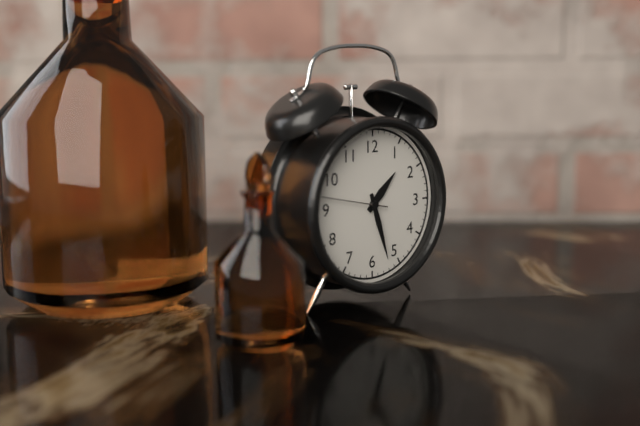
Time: 1h27
